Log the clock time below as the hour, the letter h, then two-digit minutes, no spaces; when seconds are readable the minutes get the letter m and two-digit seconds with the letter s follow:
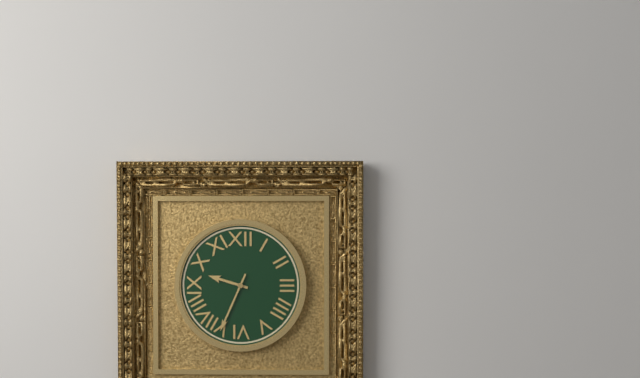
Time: 9h34
